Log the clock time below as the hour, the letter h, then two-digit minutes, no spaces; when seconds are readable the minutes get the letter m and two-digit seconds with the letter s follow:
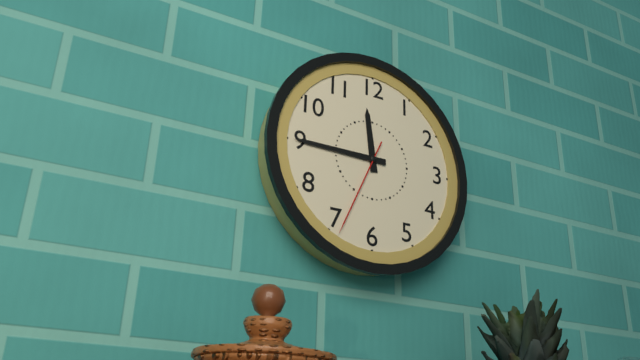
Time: 11h45m34s
